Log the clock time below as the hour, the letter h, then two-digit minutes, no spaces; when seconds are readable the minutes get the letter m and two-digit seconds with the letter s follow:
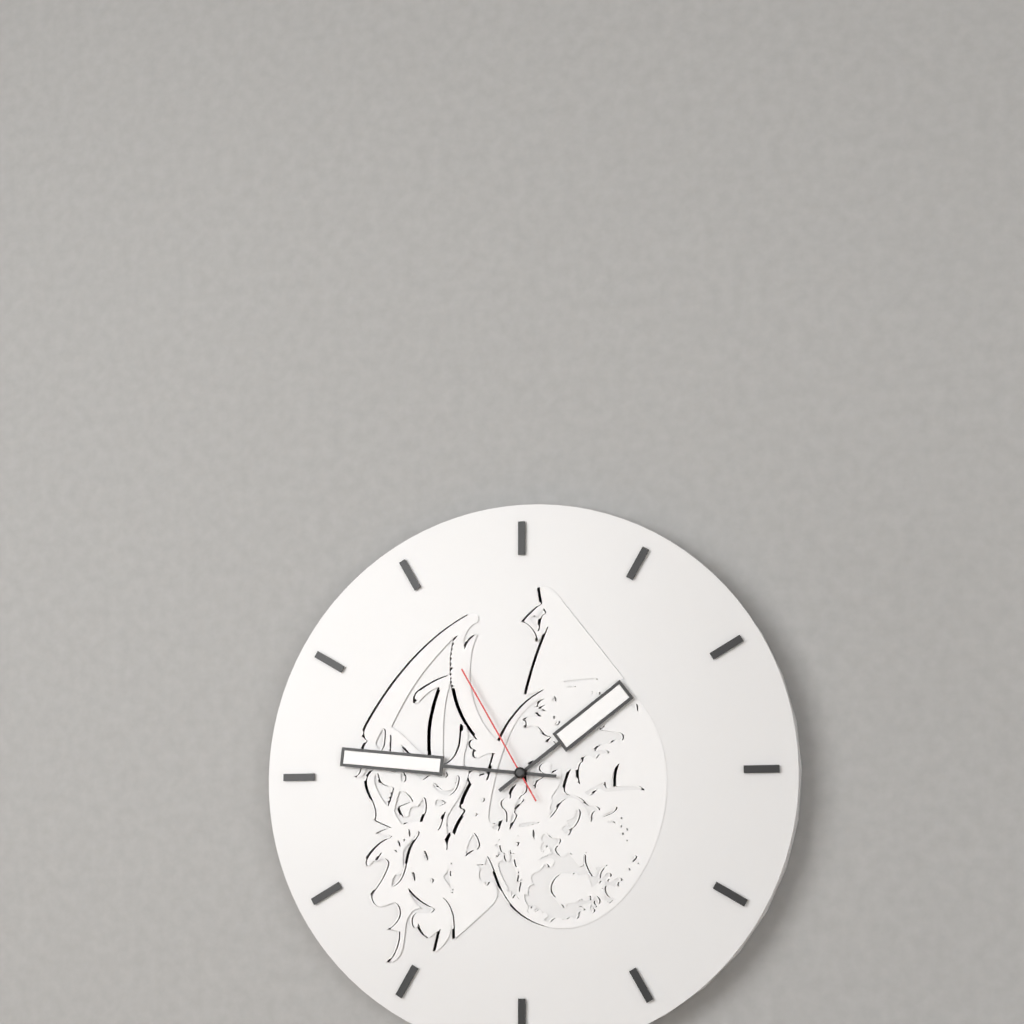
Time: 1h46m55s
